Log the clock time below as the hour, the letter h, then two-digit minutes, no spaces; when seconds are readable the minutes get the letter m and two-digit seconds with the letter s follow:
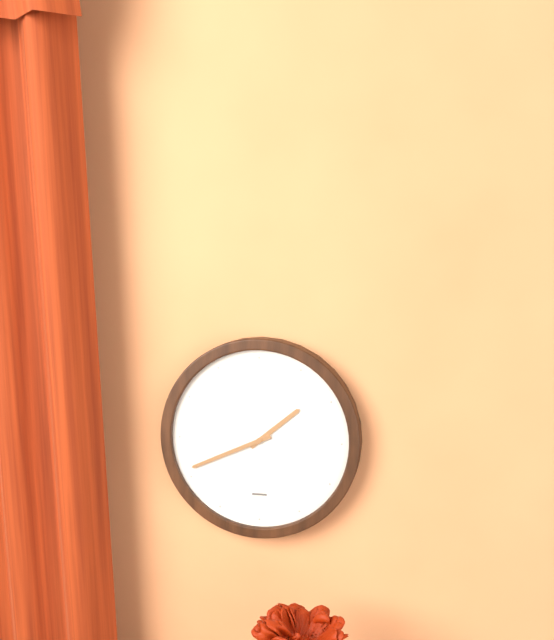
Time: 1h41
